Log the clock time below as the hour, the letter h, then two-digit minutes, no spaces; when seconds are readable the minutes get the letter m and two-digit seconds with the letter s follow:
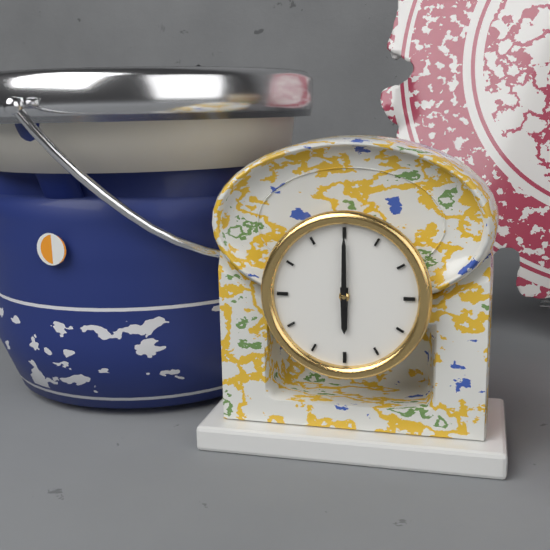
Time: 6h00
